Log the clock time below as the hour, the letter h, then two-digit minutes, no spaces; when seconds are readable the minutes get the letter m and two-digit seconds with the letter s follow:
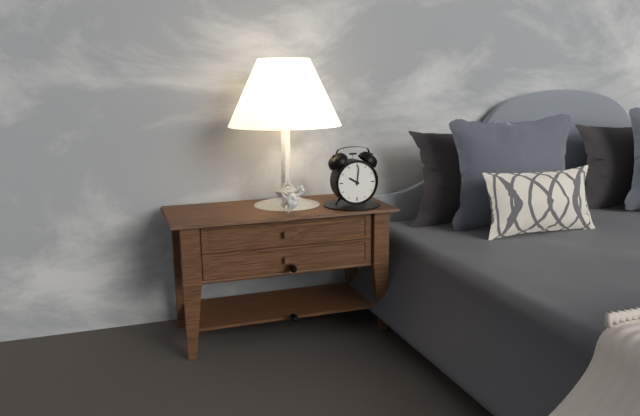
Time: 10h01
